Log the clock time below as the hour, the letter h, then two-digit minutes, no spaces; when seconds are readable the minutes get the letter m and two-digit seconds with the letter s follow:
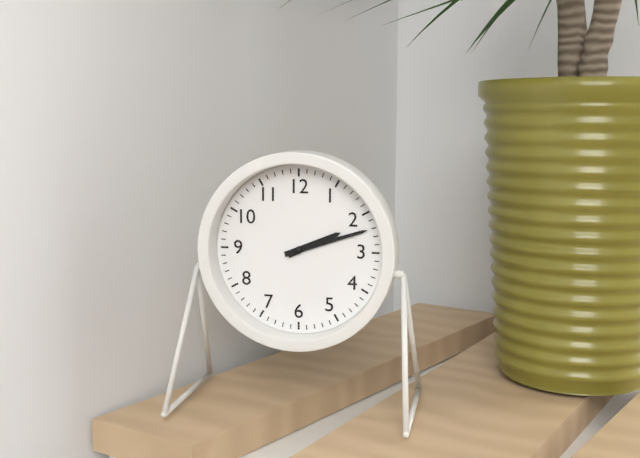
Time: 2h12
